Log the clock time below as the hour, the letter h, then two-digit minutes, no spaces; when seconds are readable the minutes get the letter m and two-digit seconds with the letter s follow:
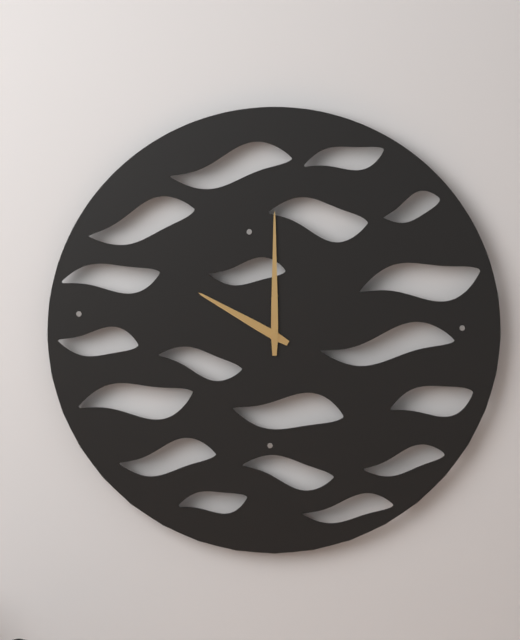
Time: 10h00
